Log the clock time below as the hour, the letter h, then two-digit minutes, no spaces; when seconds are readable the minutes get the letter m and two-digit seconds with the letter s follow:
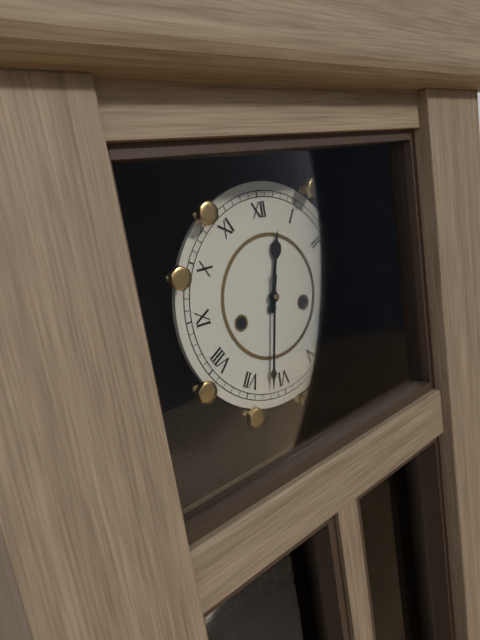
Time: 12h32
